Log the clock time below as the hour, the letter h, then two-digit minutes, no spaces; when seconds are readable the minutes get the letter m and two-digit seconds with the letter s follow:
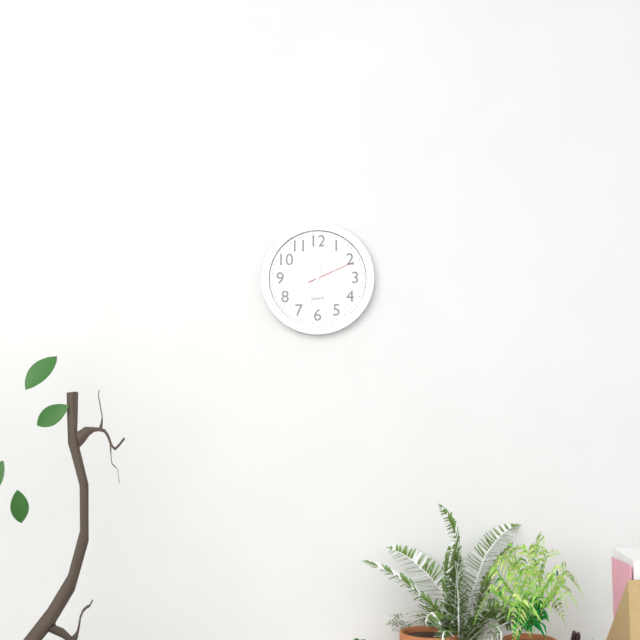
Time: 7h02m11s
